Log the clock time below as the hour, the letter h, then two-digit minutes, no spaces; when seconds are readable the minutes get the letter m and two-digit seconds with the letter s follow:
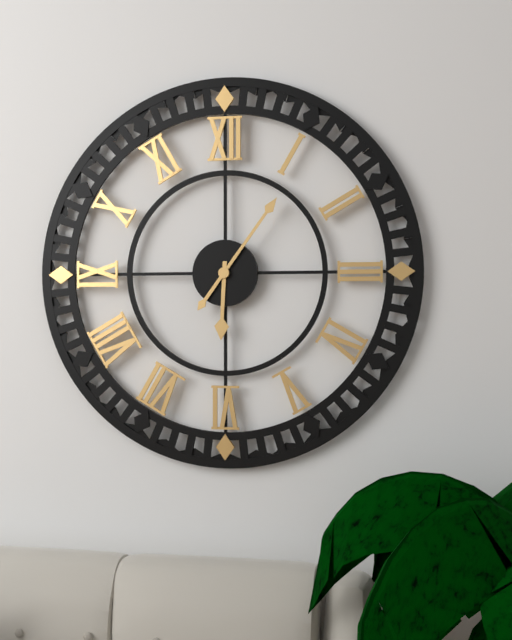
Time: 6h06
